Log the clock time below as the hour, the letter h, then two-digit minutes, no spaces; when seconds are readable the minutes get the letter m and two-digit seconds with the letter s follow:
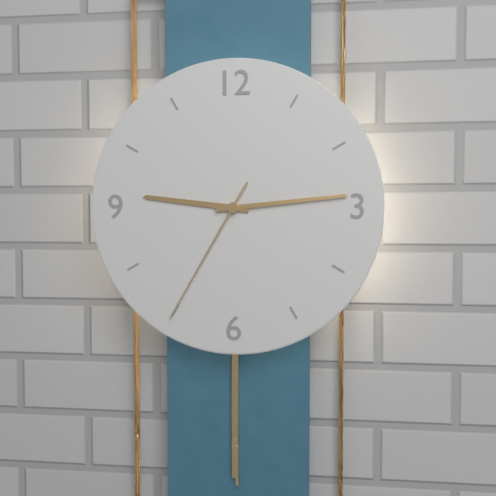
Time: 9h14m35s
